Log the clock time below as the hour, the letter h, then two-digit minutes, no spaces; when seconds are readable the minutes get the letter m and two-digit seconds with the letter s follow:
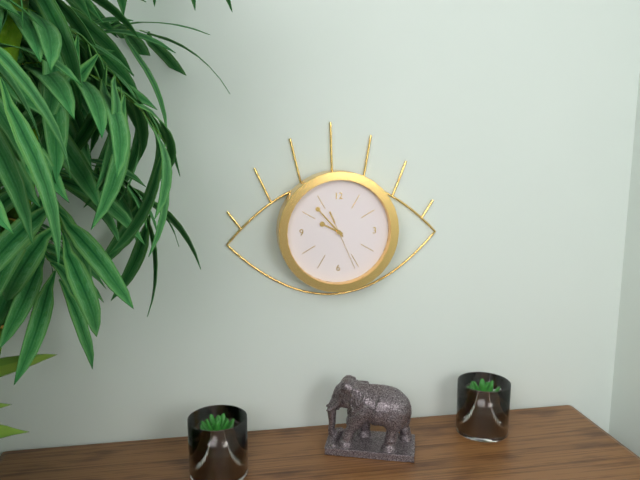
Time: 9h53m26s
